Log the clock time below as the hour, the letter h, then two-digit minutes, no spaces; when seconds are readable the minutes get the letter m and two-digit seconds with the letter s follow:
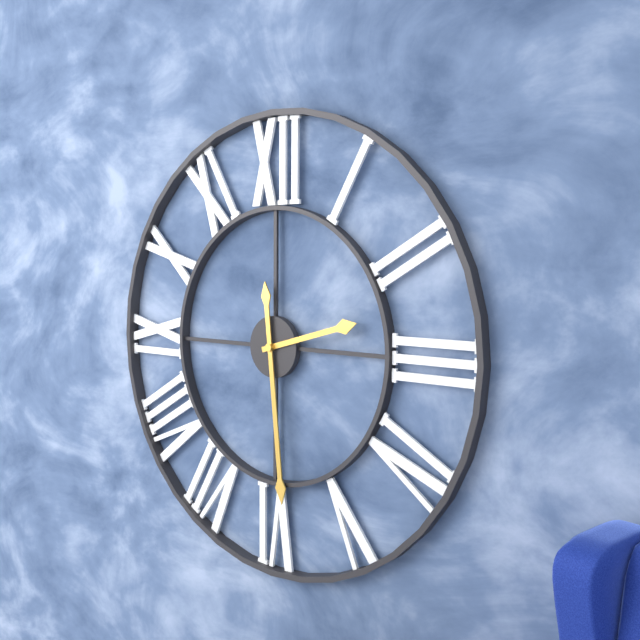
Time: 2h29
